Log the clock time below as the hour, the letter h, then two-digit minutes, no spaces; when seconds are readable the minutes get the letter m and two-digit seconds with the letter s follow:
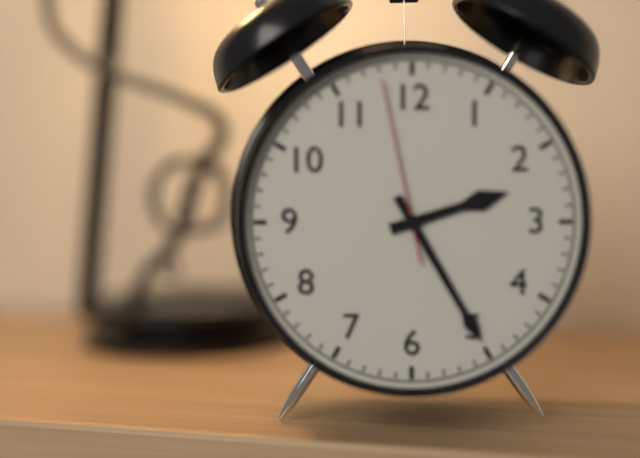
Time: 2h25m58s
